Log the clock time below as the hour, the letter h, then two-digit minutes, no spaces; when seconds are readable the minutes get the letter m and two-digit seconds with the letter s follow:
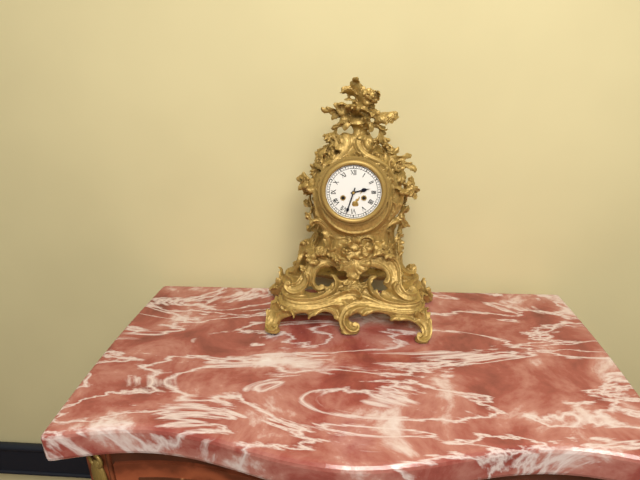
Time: 2h33
